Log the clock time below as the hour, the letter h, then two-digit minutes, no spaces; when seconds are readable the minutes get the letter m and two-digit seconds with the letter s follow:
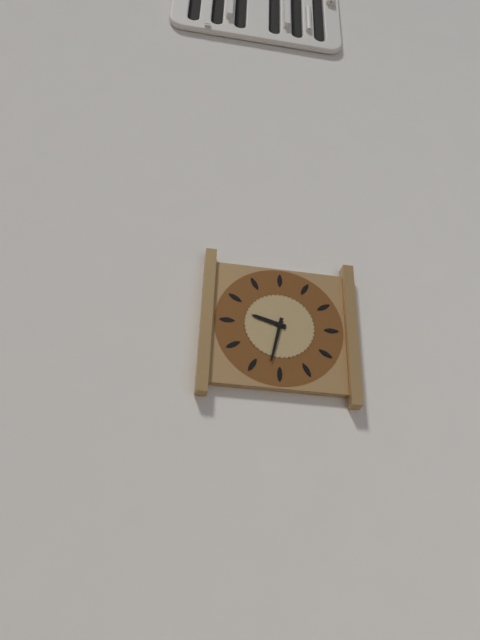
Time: 9h32
